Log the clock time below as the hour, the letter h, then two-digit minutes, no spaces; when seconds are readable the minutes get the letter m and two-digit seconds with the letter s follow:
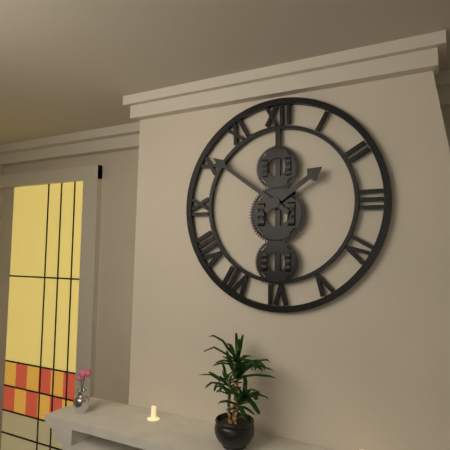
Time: 1h51
